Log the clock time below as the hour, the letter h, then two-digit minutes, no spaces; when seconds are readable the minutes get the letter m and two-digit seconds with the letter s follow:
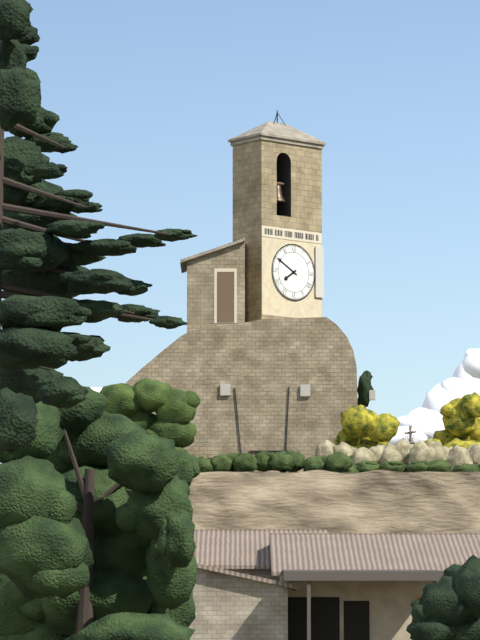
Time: 7h50
